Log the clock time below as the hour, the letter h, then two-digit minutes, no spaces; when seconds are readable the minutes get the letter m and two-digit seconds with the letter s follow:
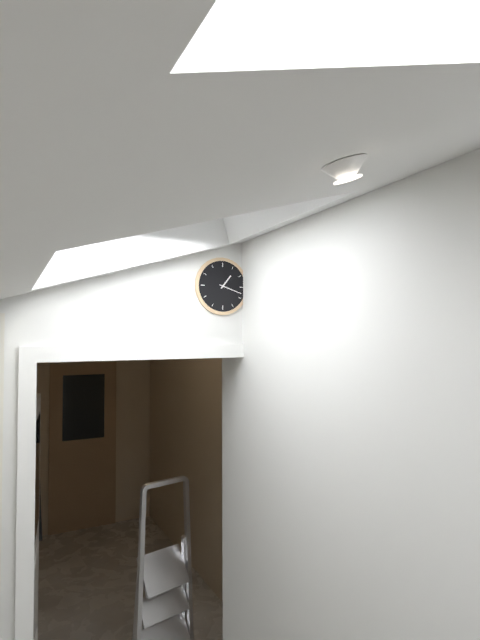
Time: 1h18
